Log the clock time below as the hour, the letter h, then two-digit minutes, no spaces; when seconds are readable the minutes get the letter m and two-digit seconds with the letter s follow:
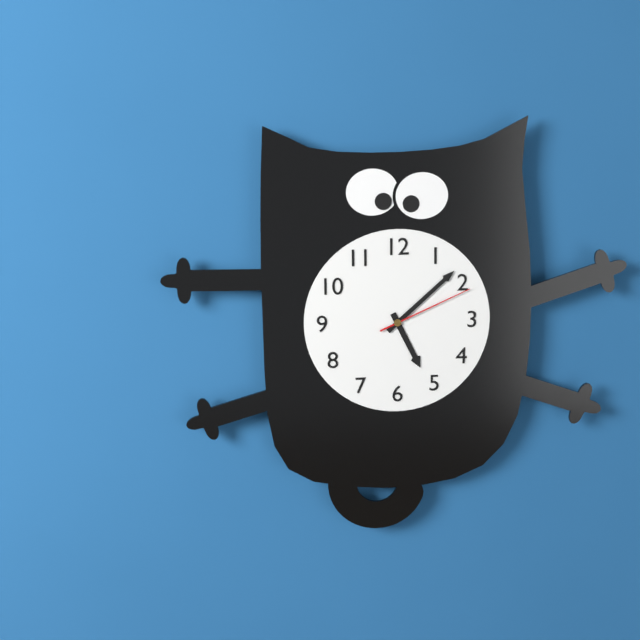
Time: 5h08m11s
